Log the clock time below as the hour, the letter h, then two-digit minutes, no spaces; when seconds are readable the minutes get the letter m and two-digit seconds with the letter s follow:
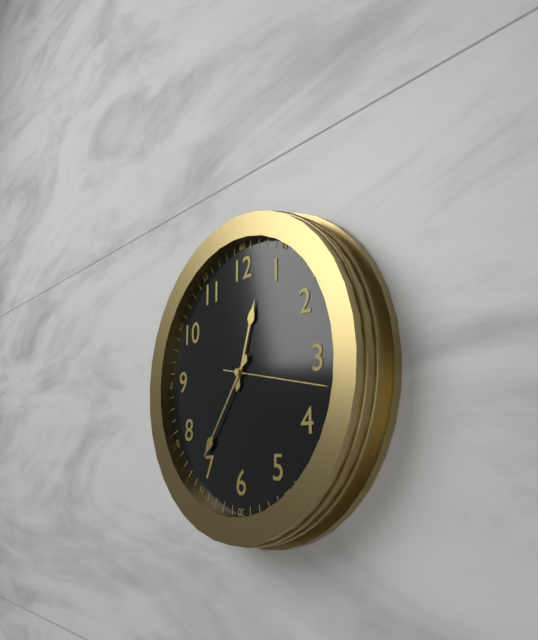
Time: 12h36m17s
